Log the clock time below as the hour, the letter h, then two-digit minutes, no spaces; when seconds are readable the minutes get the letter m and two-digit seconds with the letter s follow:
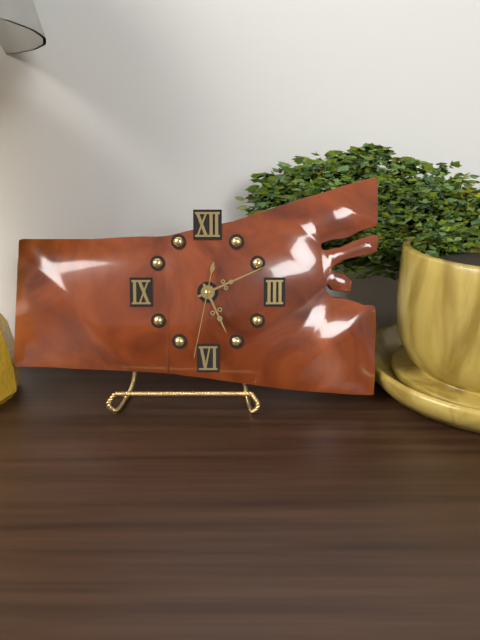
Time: 5h11m32s
